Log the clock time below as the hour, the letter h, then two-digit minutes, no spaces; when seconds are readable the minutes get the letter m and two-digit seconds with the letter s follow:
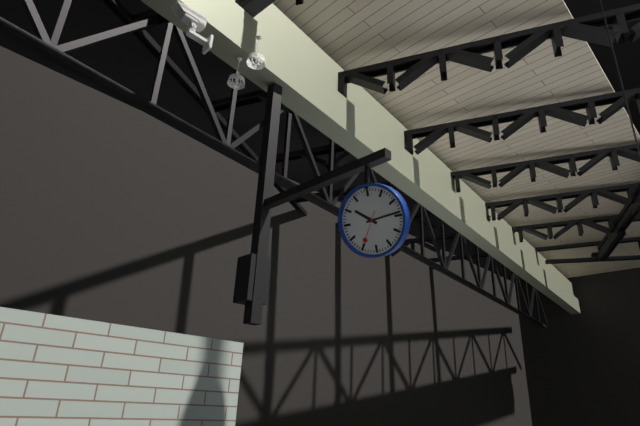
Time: 10h14
